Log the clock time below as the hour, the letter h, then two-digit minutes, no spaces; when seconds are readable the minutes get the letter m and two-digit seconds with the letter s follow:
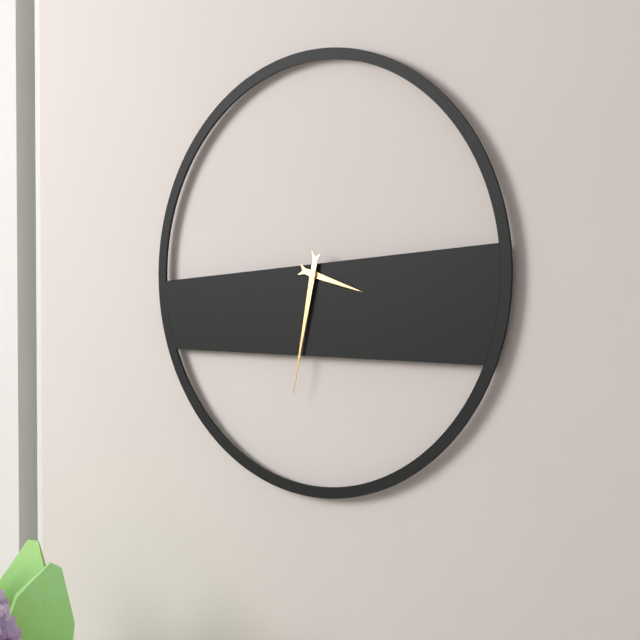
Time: 3h32
